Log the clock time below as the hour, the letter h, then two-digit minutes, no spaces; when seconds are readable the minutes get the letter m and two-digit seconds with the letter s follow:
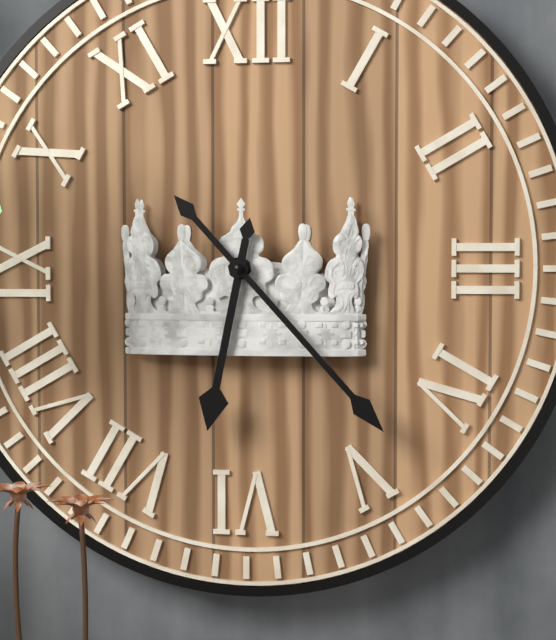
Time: 6h23
